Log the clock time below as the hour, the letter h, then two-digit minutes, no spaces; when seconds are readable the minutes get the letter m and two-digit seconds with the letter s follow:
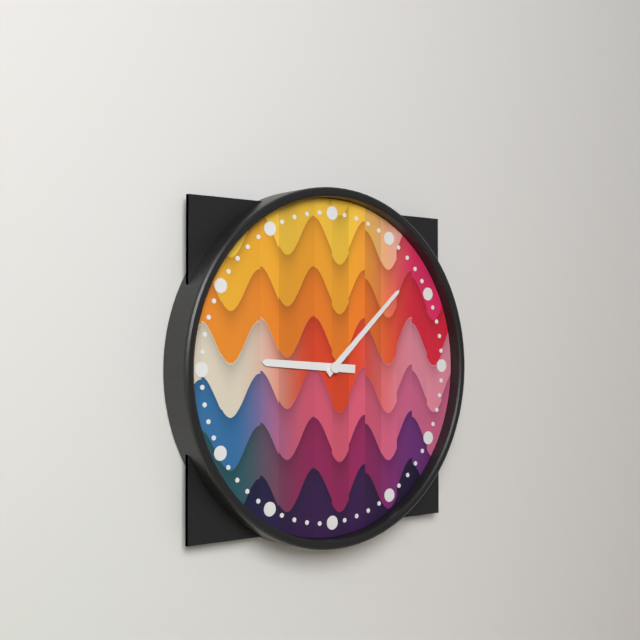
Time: 9h08
